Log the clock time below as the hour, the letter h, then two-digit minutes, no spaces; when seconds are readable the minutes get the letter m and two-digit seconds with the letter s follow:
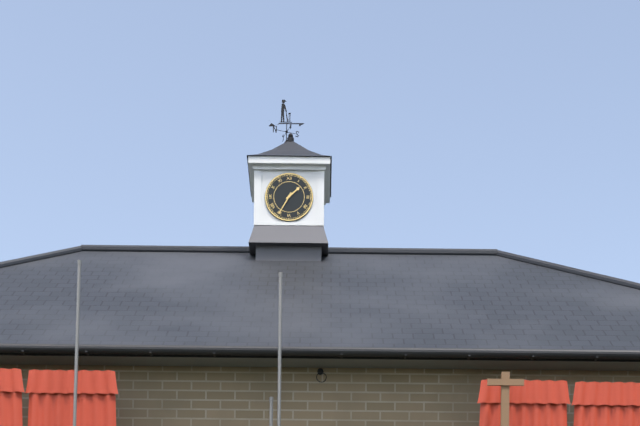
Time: 1h35
